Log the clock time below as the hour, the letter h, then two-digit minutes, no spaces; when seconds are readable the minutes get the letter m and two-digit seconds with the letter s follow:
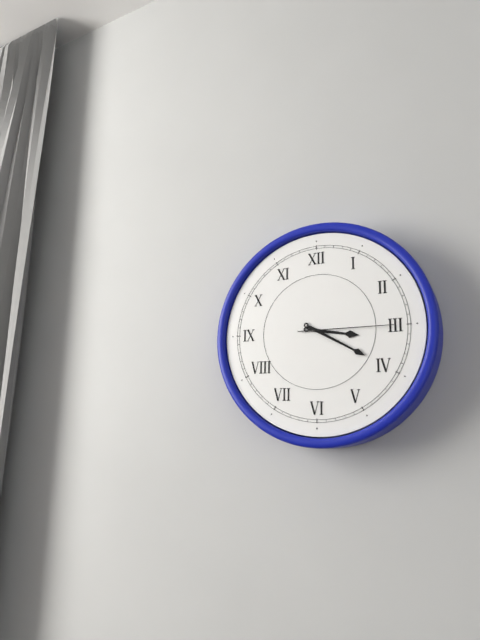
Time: 3h20m15s
